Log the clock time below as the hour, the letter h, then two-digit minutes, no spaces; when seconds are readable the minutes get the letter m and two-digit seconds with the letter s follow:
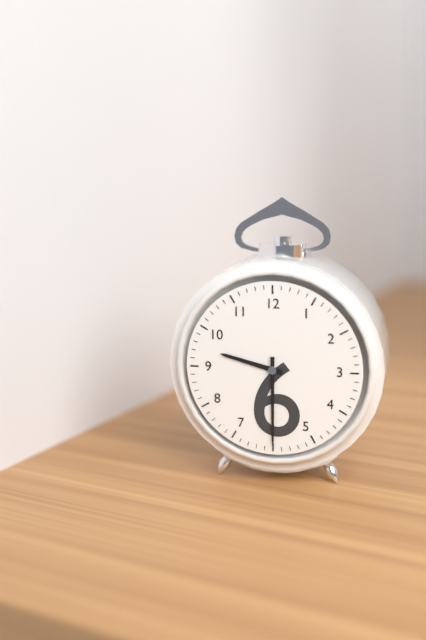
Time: 9h30
